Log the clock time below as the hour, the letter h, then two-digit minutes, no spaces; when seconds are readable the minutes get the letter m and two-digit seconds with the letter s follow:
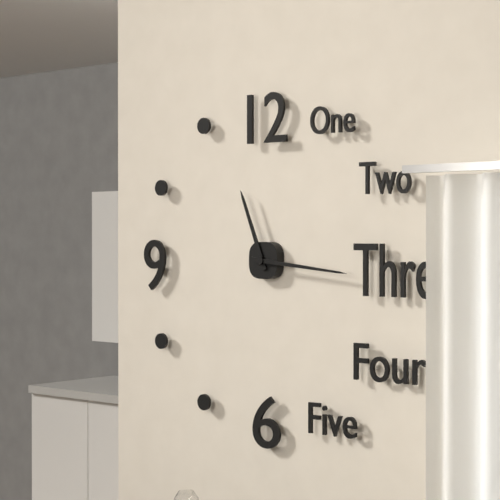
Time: 11h16
